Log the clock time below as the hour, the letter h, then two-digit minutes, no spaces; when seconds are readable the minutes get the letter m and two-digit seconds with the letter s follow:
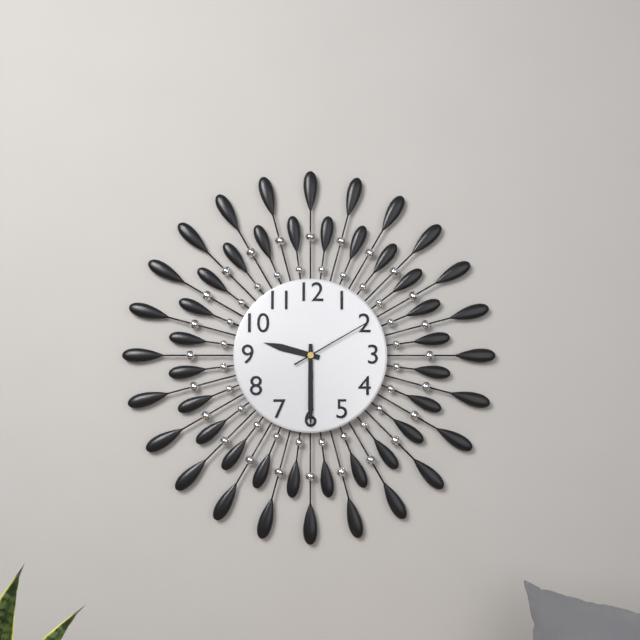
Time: 9h30m10s
